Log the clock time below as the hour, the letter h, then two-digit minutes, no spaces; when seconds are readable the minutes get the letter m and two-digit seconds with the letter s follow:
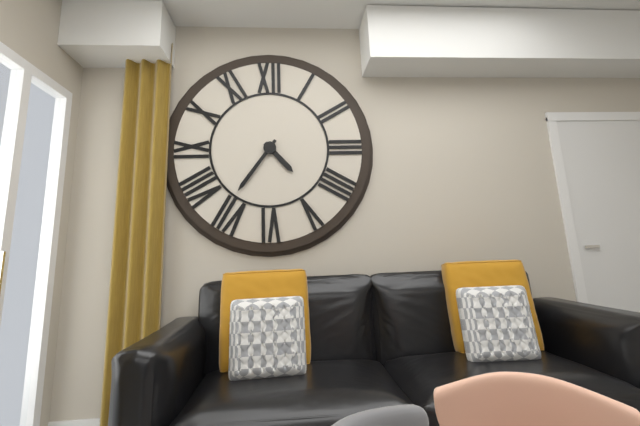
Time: 4h36
